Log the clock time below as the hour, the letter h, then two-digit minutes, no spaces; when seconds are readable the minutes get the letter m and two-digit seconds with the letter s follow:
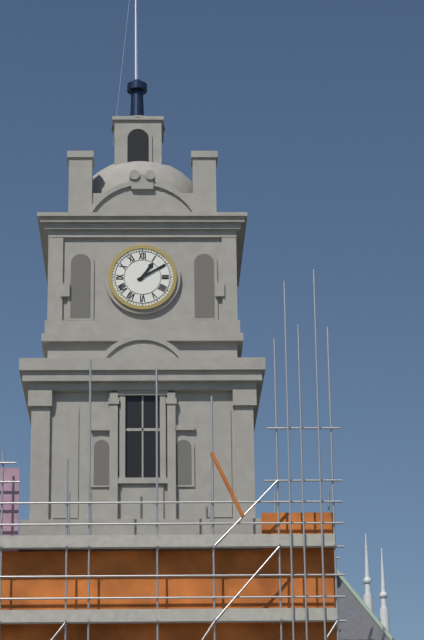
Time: 1h10
